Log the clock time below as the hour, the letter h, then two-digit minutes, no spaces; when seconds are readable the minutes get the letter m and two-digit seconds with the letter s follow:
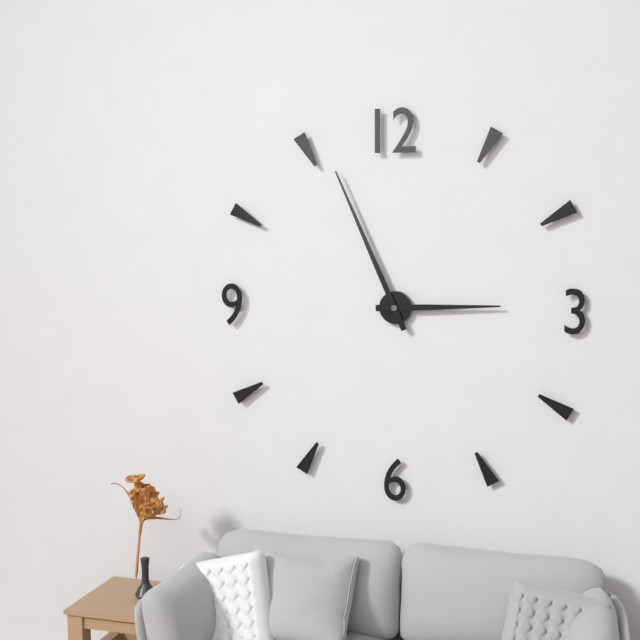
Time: 2h56
